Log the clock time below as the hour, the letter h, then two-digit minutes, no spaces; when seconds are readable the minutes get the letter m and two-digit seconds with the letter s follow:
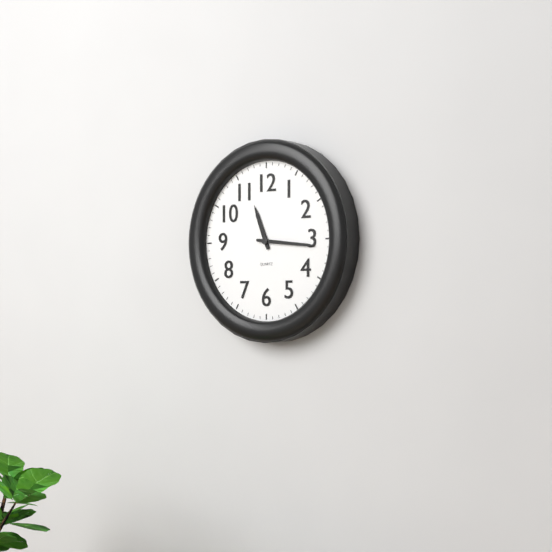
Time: 11h16
